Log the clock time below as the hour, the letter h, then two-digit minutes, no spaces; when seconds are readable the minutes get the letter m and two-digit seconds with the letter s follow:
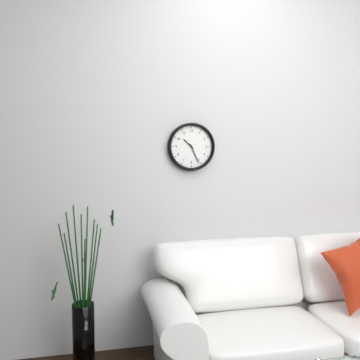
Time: 10h26
